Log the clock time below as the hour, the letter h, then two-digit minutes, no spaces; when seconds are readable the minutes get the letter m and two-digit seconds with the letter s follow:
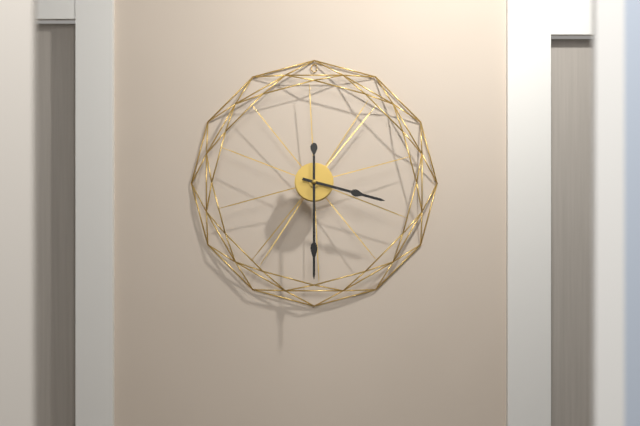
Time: 3h30
